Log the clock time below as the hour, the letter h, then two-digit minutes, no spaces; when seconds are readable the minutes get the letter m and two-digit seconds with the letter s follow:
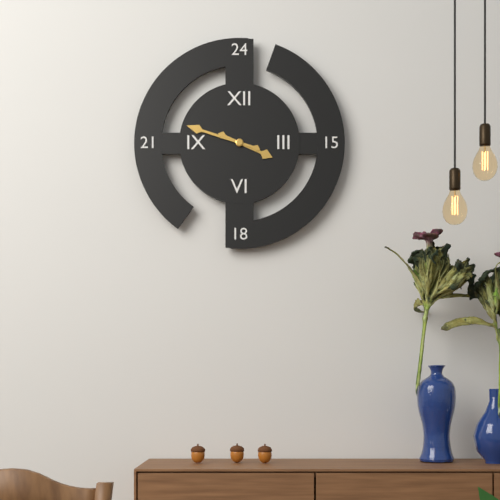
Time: 3h48
